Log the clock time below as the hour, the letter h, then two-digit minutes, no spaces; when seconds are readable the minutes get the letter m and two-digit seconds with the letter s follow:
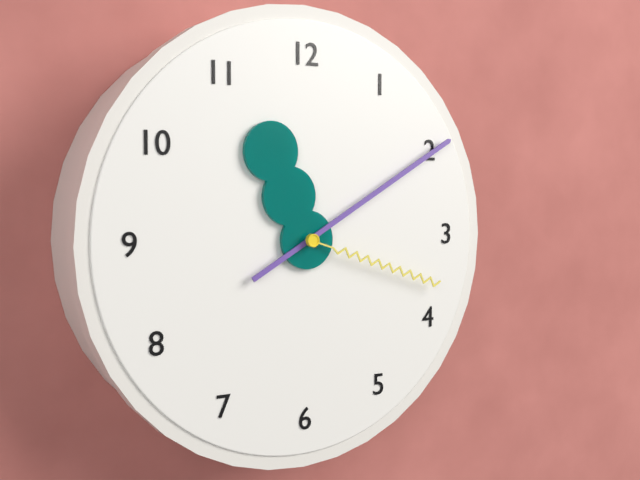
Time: 11h10m18s
